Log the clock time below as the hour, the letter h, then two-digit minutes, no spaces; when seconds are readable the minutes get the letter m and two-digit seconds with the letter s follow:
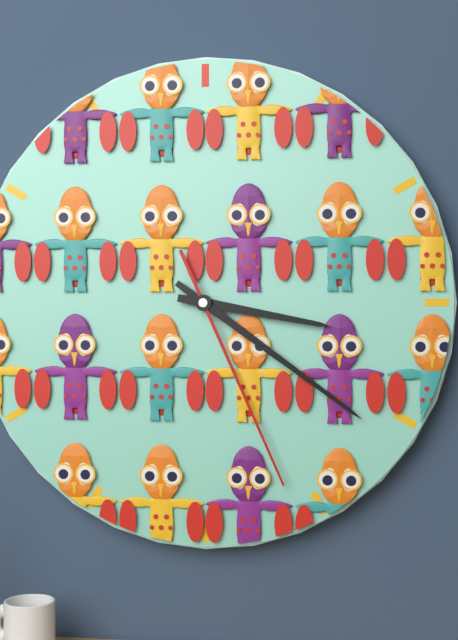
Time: 3h21m26s
